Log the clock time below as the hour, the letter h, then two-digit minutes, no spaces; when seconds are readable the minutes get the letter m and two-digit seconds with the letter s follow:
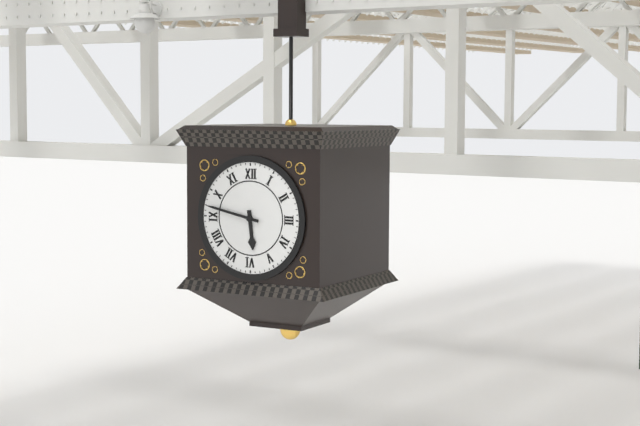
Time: 5h47
